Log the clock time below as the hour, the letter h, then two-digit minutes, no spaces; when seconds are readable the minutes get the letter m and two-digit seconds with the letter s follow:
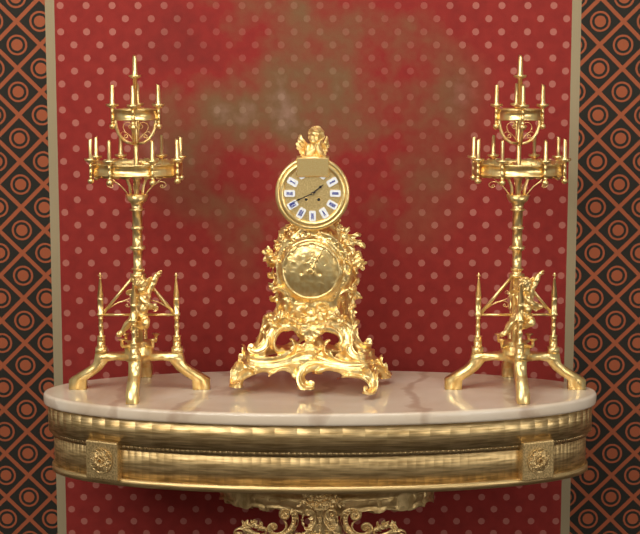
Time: 1h41
